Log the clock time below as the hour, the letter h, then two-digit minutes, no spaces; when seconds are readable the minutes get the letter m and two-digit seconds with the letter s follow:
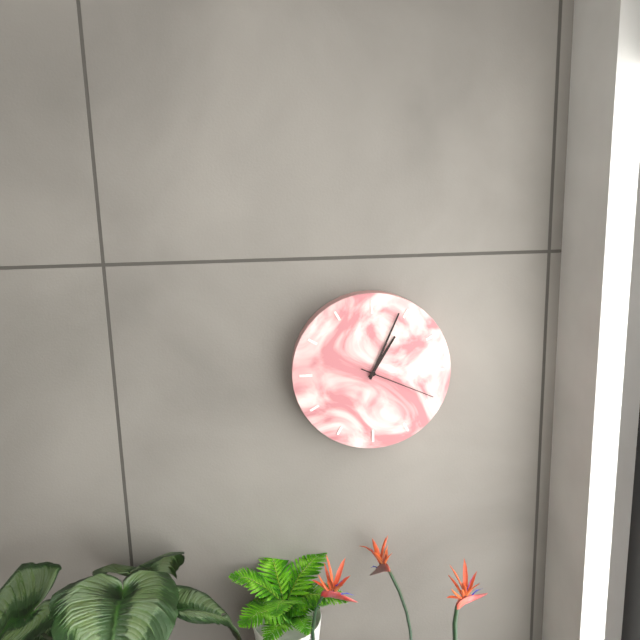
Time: 1h04m19s
